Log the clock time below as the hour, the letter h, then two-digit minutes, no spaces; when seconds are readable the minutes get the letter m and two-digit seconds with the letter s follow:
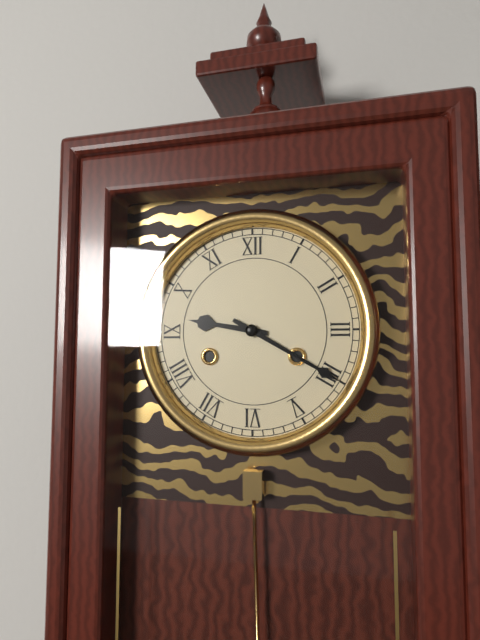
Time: 9h20
